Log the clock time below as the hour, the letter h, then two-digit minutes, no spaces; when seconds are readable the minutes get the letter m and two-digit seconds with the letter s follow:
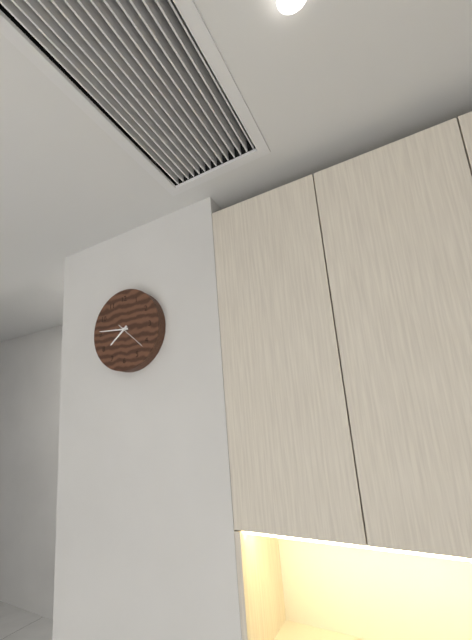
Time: 7h46
